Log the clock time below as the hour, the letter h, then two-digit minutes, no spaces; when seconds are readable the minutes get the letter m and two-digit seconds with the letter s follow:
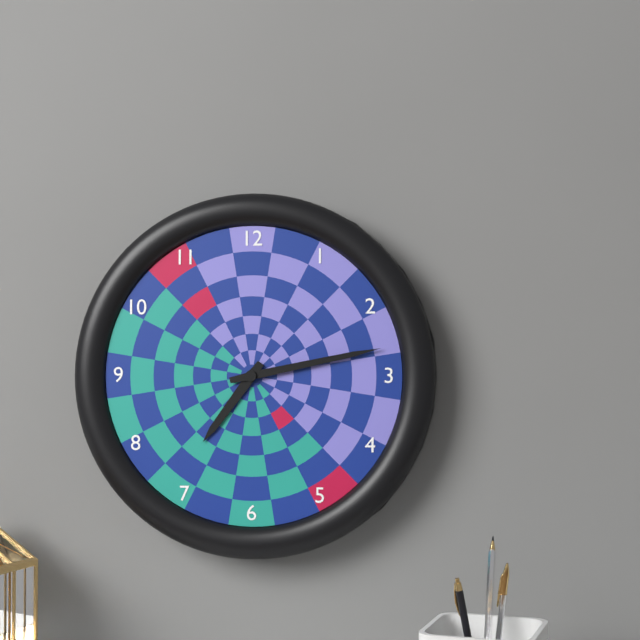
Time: 7h13
